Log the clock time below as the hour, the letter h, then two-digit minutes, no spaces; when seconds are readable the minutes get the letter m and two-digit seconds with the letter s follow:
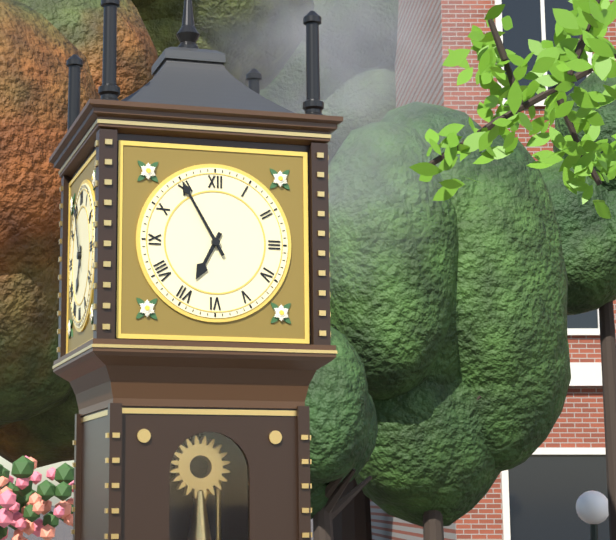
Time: 6h55
